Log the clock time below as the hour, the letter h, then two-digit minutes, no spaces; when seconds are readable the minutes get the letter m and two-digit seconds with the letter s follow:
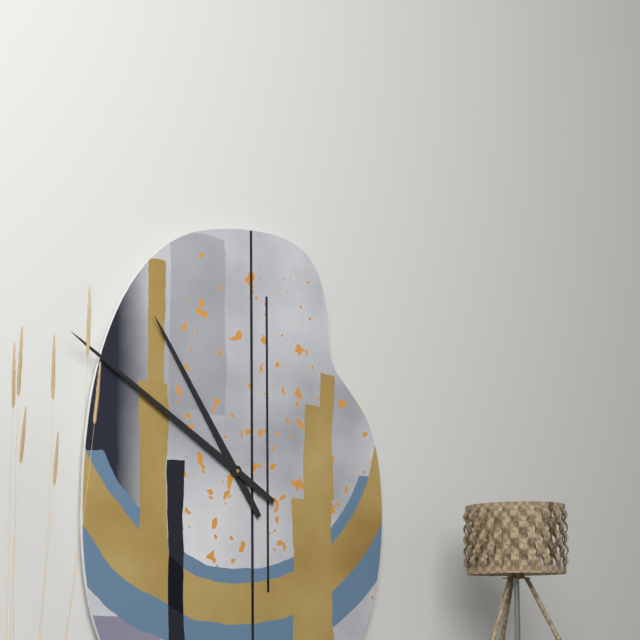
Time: 10h50
